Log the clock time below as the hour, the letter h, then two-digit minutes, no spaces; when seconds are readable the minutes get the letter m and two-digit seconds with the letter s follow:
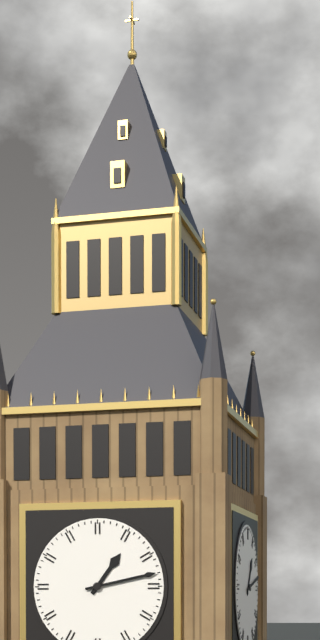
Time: 1h13
